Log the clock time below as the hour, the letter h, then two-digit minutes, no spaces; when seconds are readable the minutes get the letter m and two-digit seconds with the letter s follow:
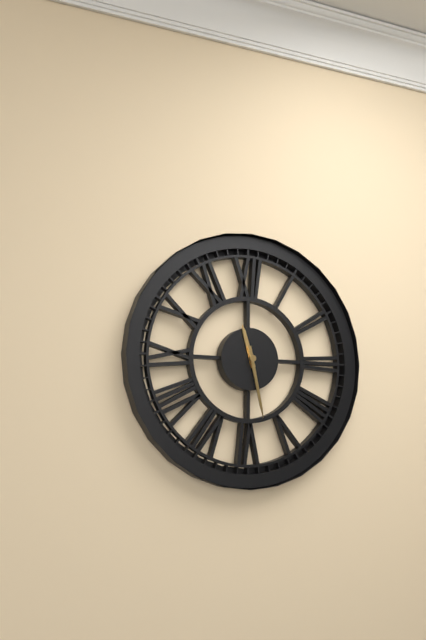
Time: 11h28
